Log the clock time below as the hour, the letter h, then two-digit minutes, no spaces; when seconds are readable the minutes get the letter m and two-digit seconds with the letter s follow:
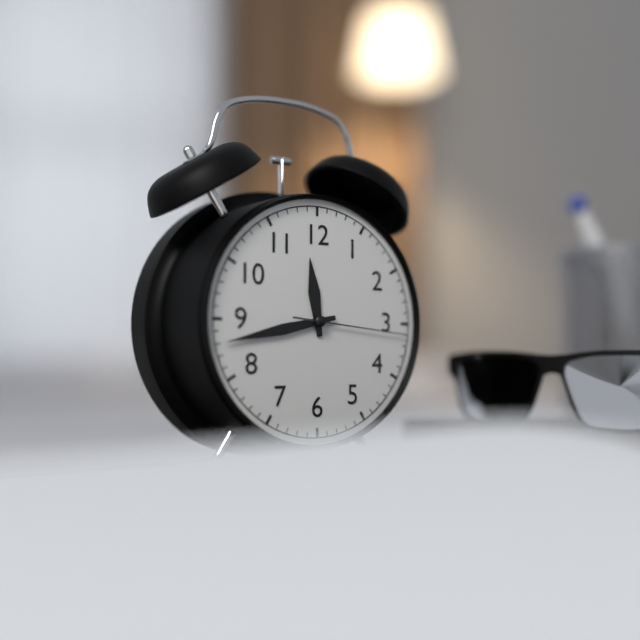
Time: 11h43m16s
